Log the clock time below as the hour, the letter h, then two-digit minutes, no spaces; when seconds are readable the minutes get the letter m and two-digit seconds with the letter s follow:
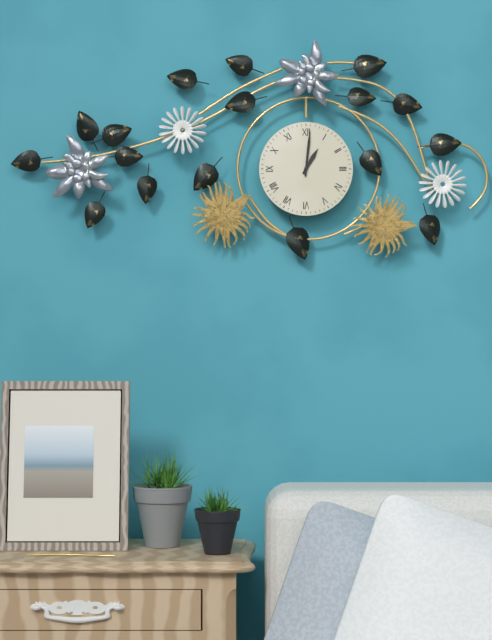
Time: 1h01
